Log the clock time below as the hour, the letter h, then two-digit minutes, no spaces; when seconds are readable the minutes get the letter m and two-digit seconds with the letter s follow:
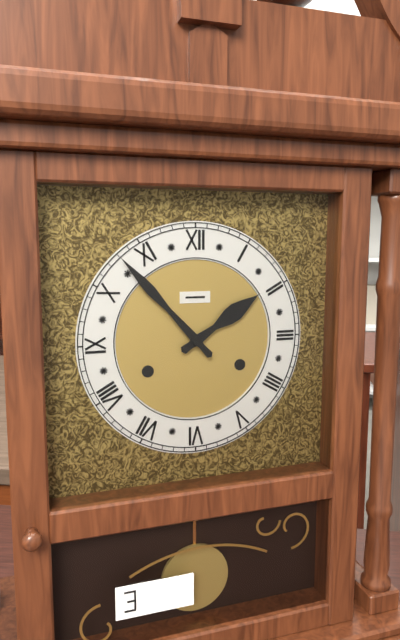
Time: 1h53
